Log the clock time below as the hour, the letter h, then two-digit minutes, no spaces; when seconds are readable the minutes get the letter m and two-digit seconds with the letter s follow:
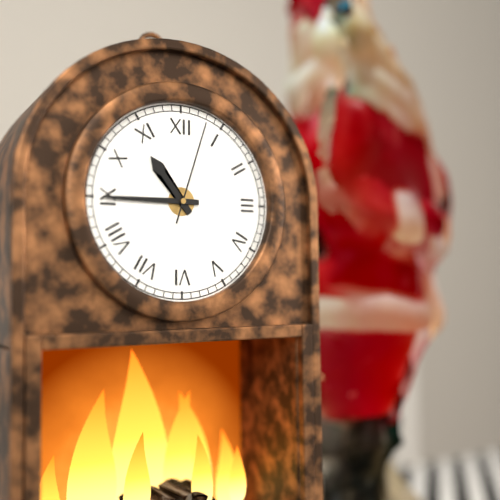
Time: 10h45m03s
